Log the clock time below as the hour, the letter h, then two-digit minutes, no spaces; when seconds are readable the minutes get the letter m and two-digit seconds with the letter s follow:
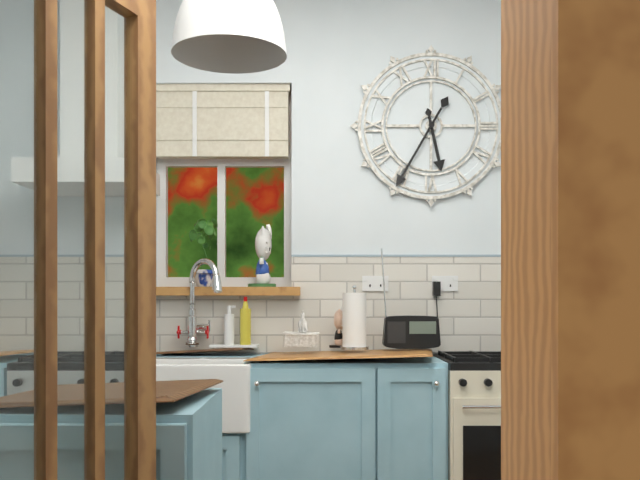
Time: 5h35
